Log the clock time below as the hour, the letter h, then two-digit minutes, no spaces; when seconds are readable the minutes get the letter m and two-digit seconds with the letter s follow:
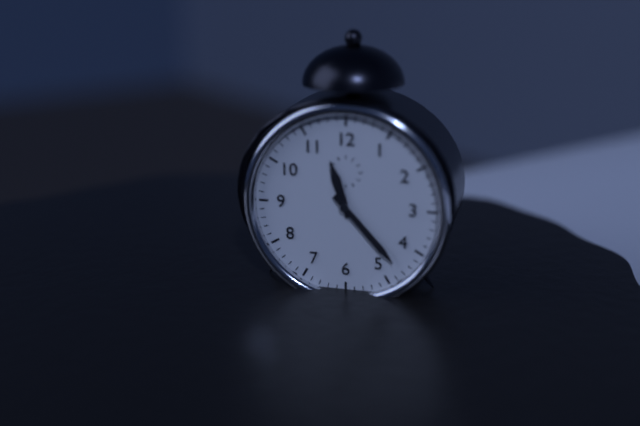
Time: 11h23
